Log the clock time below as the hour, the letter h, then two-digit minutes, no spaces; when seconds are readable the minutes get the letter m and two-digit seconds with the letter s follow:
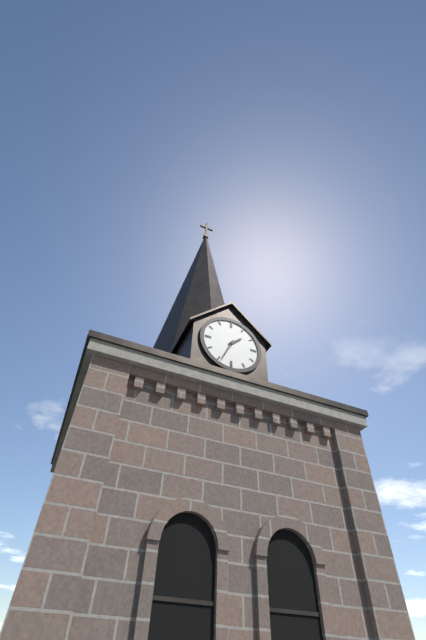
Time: 1h34
